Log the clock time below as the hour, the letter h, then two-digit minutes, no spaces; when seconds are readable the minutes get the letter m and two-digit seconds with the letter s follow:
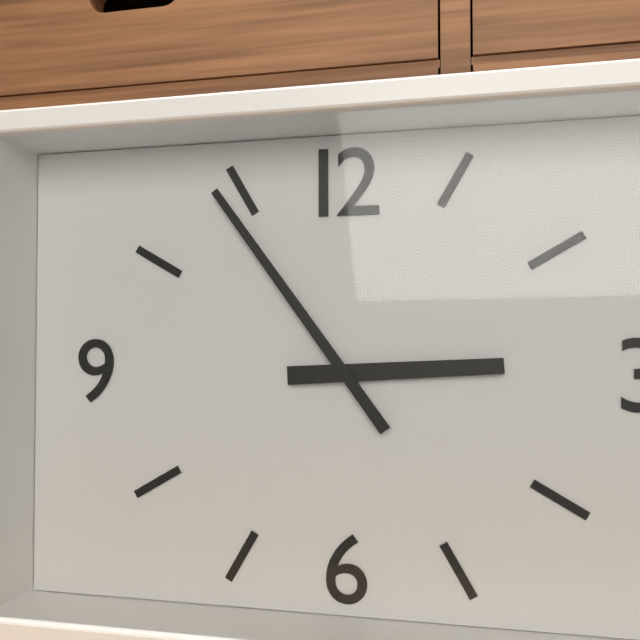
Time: 2h54
